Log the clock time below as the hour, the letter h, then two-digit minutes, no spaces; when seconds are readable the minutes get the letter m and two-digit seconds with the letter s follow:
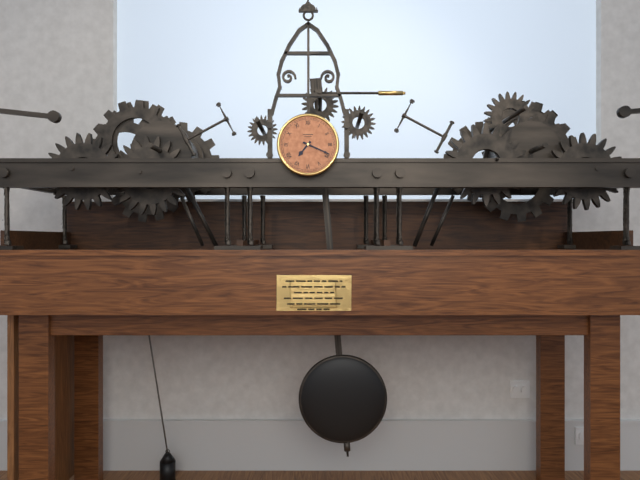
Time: 7h19
